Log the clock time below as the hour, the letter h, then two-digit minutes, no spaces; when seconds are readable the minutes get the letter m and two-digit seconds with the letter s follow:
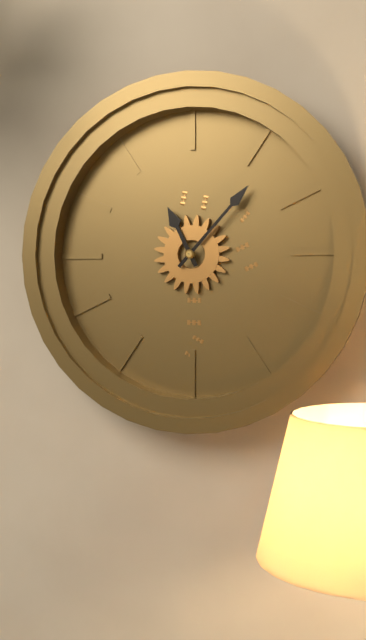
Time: 11h07
